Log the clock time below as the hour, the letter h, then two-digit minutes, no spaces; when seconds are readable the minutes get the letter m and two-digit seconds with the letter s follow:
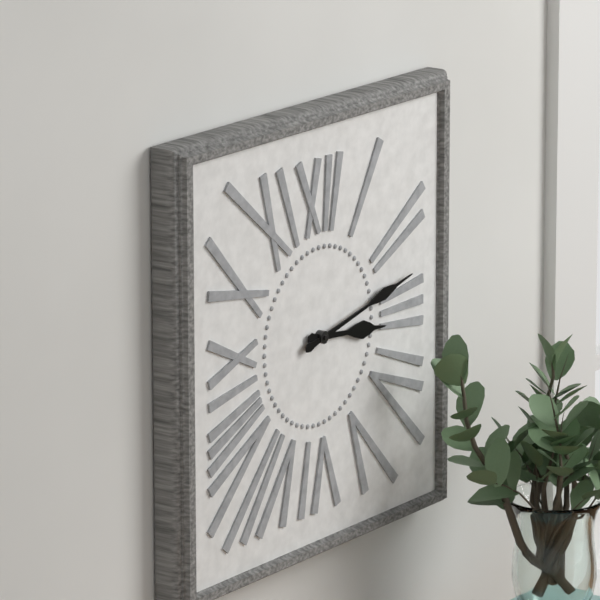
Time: 3h13
